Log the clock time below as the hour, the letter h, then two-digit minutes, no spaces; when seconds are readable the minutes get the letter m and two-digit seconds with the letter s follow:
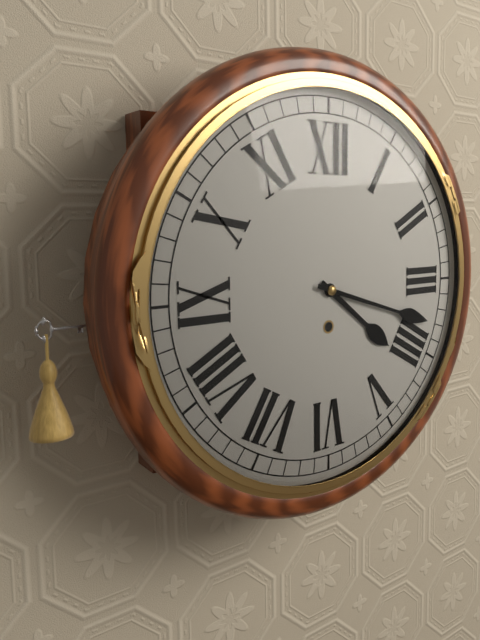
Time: 4h18
